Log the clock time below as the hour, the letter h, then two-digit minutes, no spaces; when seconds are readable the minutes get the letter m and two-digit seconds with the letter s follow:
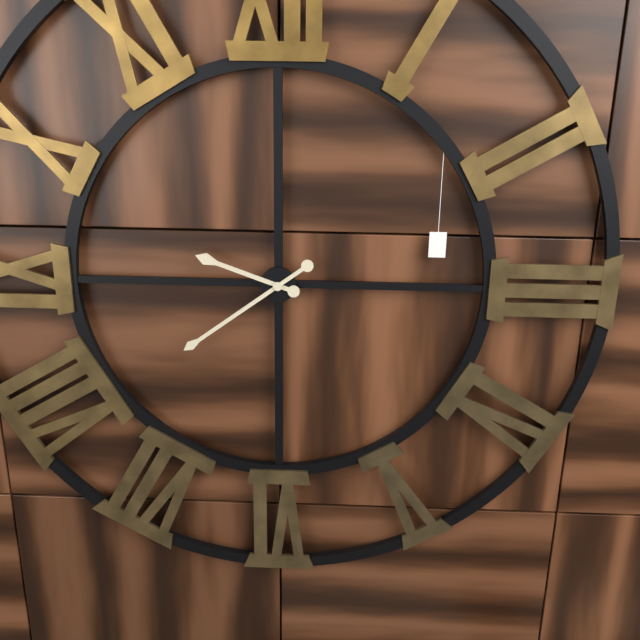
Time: 9h39
